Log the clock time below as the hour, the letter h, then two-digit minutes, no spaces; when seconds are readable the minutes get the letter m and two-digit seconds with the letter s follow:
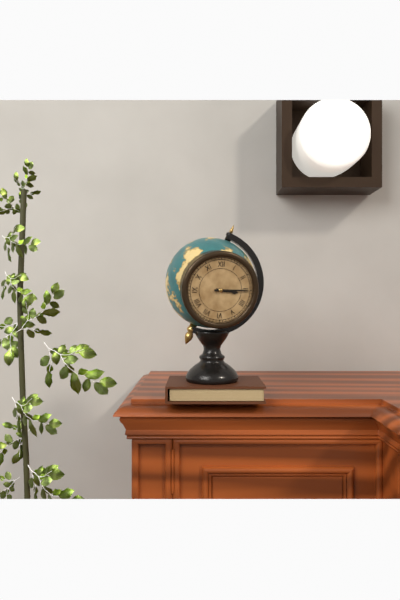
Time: 3h15
